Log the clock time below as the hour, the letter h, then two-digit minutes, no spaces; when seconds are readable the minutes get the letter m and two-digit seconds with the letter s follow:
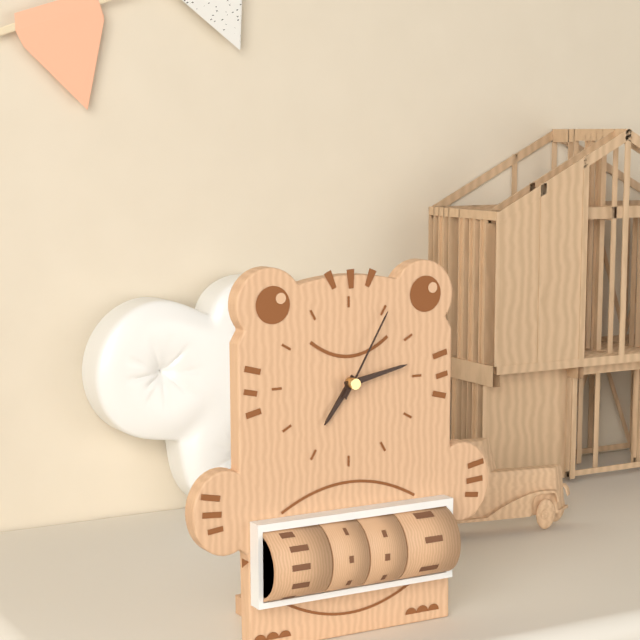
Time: 7h13m05s
